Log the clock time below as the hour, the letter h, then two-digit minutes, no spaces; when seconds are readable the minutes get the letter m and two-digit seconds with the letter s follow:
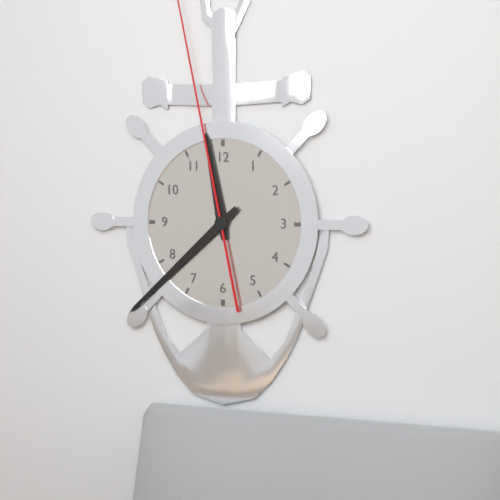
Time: 11h38
